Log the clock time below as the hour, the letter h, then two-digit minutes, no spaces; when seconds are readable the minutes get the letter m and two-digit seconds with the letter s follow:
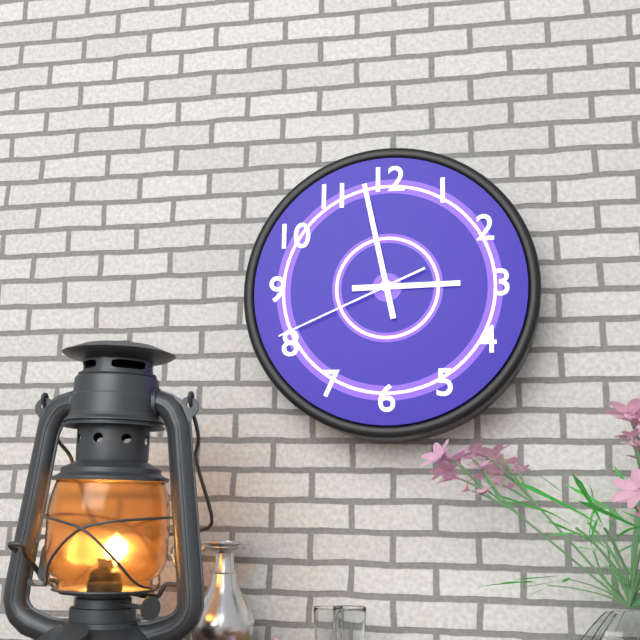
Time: 2h58m41s
